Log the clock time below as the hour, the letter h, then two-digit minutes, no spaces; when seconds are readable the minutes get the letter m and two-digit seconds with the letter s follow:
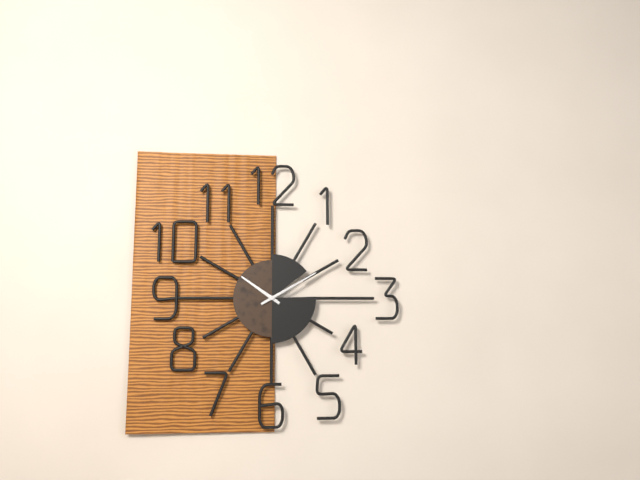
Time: 10h10
